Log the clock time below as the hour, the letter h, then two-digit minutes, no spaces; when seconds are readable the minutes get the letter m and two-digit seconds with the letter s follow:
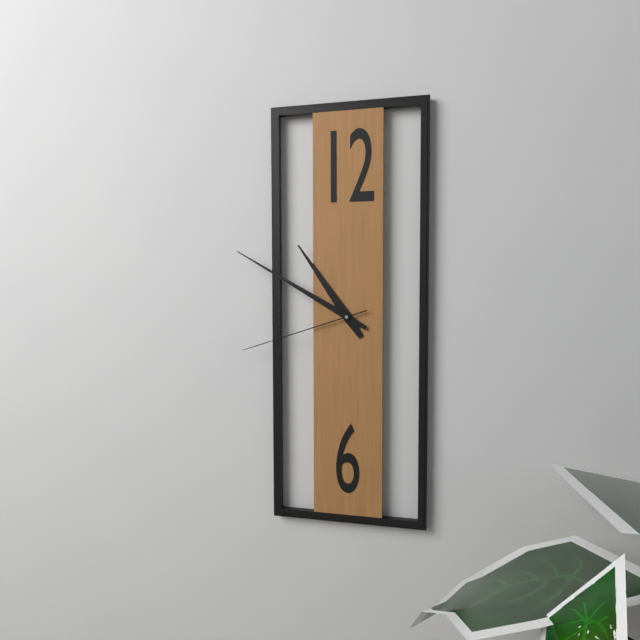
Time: 10h50m42s
